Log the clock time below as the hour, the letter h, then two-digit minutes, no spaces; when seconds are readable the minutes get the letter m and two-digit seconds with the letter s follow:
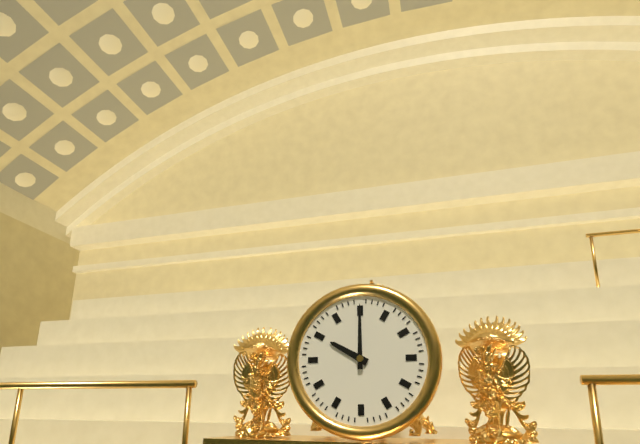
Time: 10h00
